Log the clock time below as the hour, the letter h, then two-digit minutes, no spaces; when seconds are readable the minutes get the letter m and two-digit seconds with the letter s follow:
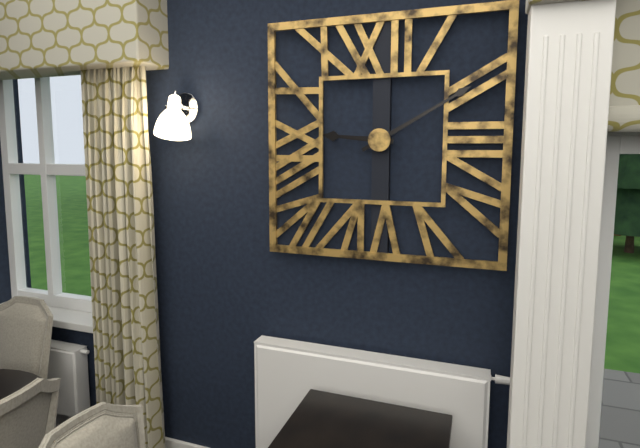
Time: 9h10
